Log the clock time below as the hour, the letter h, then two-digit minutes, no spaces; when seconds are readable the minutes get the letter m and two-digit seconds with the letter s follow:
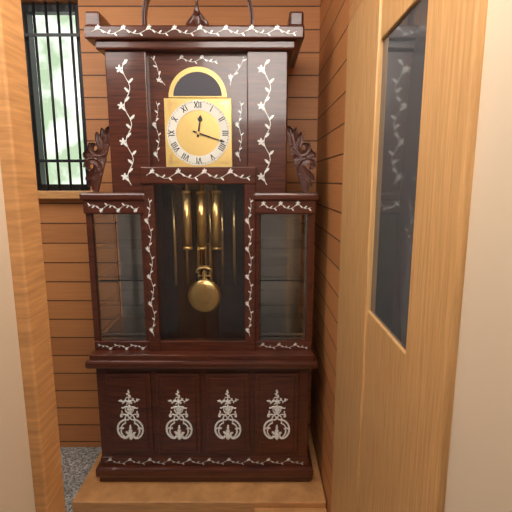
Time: 12h18
